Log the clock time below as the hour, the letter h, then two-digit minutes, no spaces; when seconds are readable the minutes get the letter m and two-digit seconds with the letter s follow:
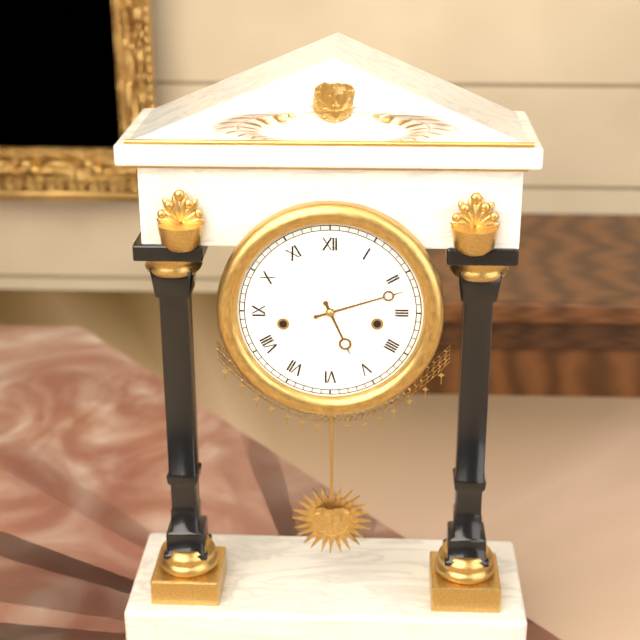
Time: 5h12
